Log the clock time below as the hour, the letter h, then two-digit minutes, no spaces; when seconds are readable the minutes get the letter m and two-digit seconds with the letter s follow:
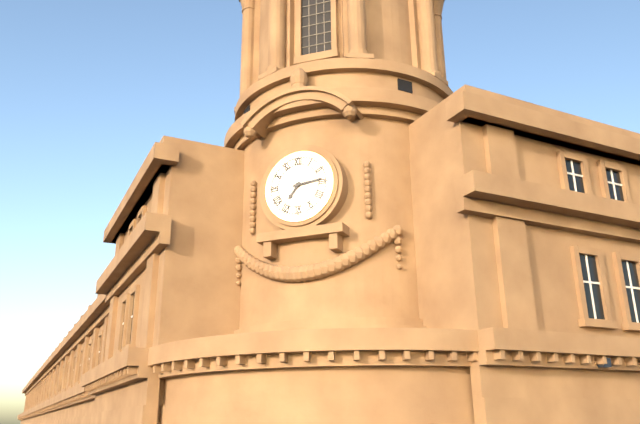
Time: 7h14
